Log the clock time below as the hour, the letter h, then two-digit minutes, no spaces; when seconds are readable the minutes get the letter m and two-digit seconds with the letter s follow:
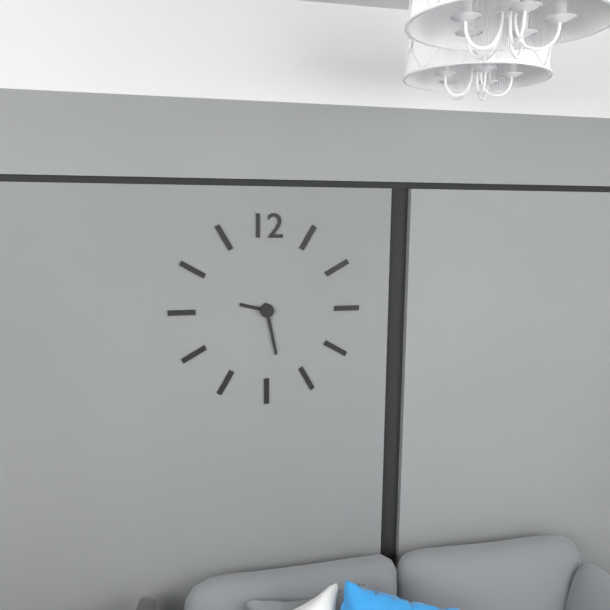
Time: 9h28
